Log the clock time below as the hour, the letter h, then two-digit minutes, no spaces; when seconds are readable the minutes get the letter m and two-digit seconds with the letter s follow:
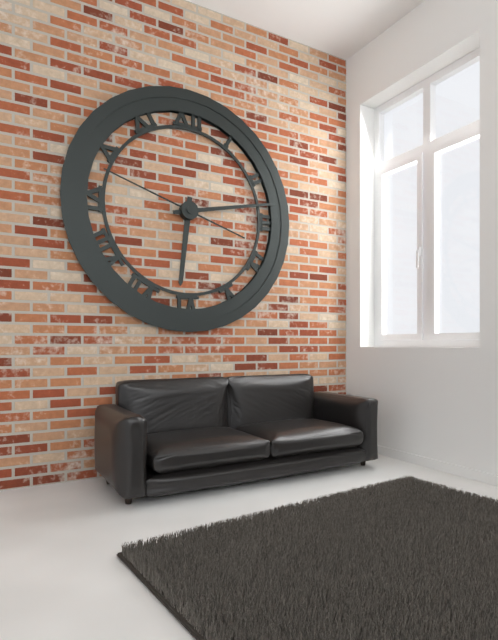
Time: 6h13m48s
